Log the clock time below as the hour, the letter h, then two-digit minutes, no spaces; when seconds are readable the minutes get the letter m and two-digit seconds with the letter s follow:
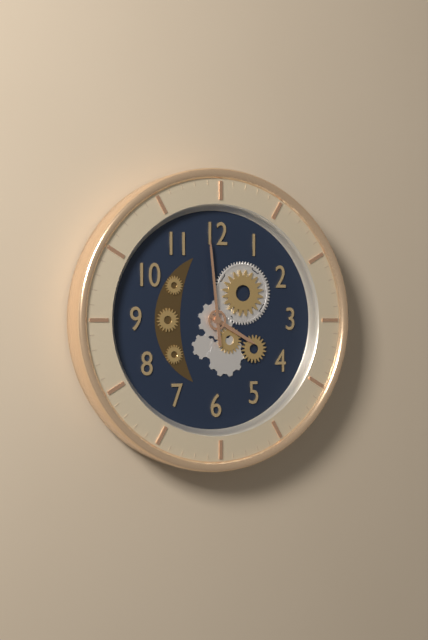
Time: 3h59
